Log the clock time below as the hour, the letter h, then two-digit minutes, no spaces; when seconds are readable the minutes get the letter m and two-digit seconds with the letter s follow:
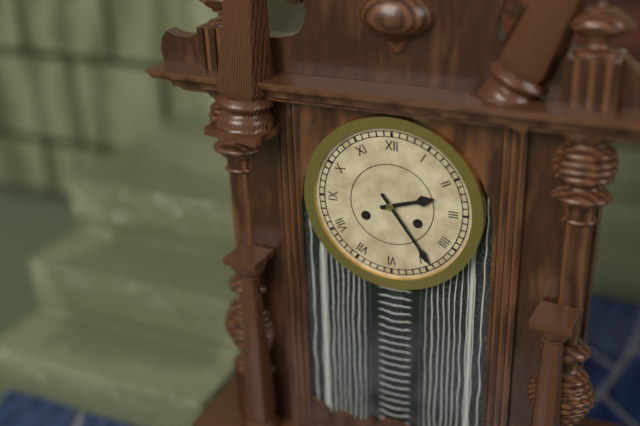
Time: 2h24
